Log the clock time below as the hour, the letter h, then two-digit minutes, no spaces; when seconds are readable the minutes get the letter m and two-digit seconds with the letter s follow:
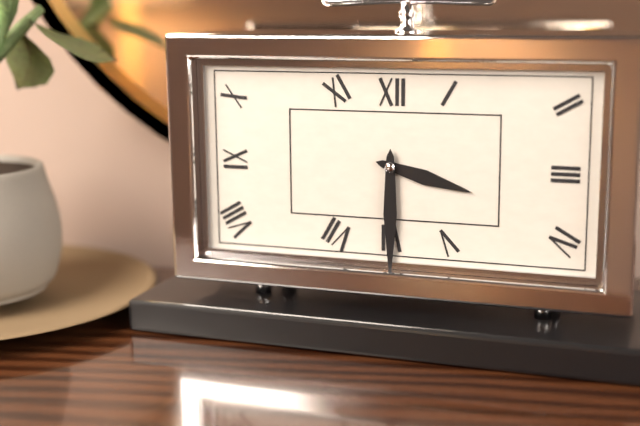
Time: 3h30
